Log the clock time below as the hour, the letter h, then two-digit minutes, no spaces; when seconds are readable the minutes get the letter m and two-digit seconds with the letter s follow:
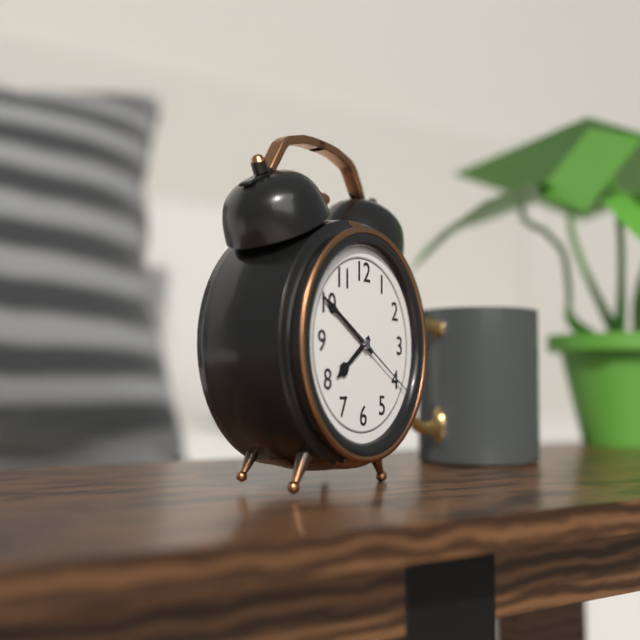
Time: 7h50m20s
